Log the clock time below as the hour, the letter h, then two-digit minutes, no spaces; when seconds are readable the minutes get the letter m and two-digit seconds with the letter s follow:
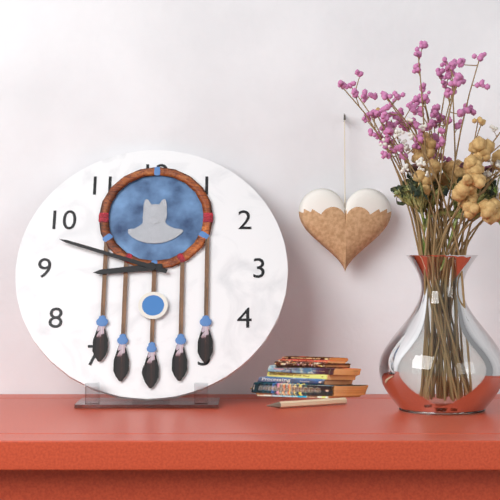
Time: 8h48
